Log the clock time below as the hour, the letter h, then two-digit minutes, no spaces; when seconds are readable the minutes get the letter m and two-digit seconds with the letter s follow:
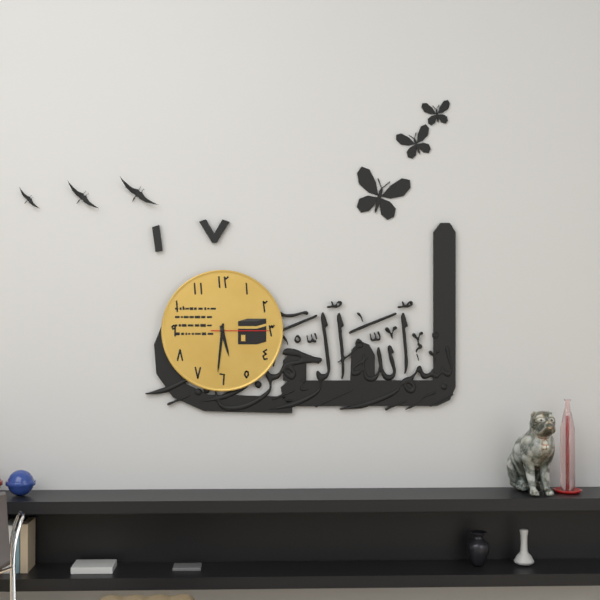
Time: 5h31m15s
